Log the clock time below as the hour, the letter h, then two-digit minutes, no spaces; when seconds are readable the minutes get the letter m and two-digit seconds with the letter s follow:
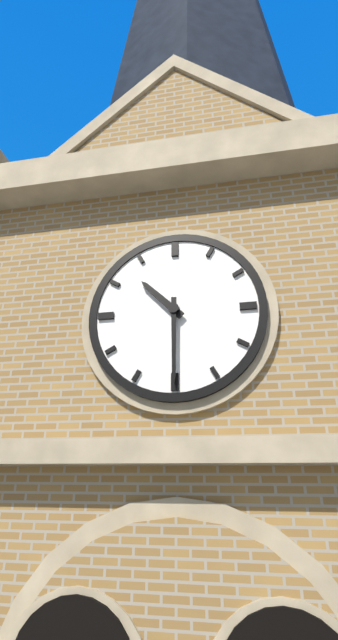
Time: 10h30
